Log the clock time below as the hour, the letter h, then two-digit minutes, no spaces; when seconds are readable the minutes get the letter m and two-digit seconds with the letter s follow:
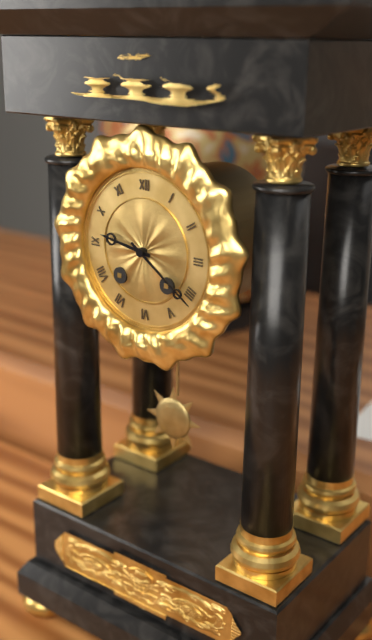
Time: 9h21
